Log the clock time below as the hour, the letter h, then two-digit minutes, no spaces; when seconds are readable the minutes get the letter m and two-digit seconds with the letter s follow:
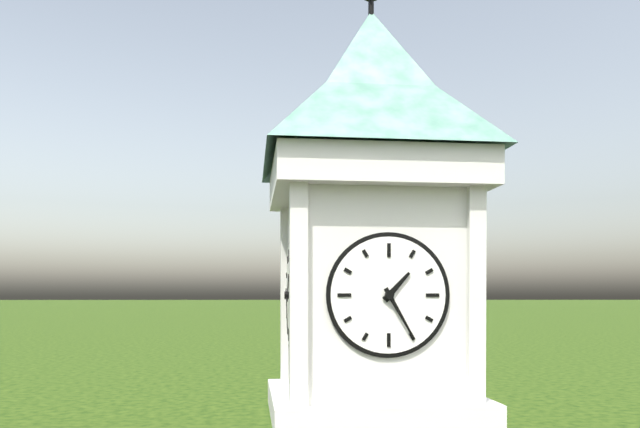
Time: 1h25
